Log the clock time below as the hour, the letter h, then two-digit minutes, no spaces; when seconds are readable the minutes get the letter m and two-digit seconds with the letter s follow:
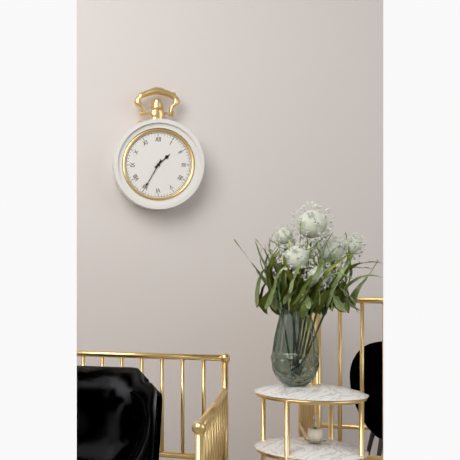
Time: 1h35
